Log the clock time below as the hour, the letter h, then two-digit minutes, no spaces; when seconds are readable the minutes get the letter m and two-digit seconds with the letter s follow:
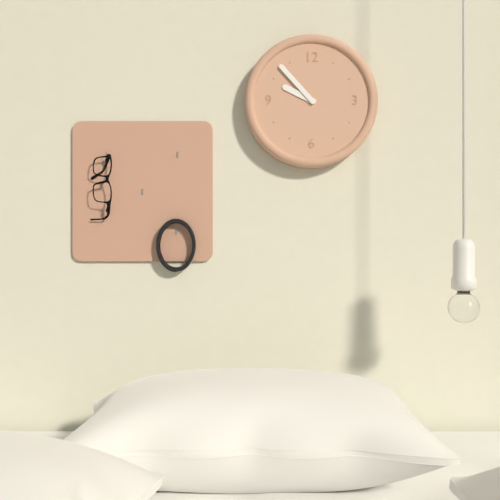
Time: 9h53
